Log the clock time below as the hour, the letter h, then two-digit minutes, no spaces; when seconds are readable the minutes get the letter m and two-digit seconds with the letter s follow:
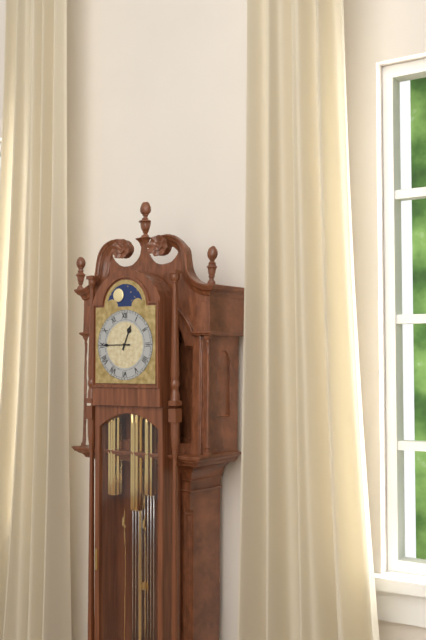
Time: 12h45
